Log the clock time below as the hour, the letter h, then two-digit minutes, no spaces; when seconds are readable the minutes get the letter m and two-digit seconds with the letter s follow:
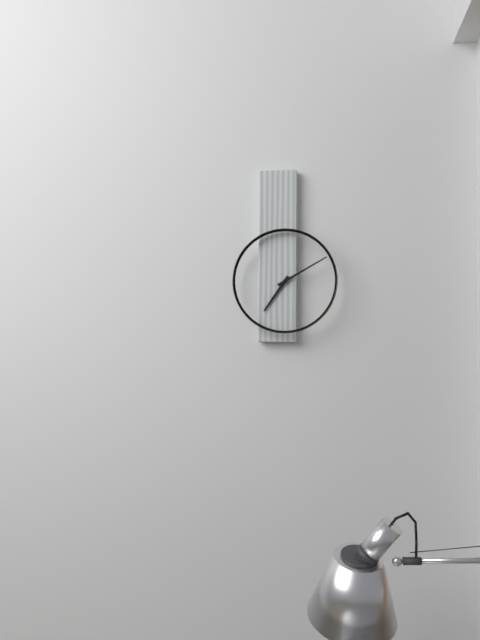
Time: 7h10
